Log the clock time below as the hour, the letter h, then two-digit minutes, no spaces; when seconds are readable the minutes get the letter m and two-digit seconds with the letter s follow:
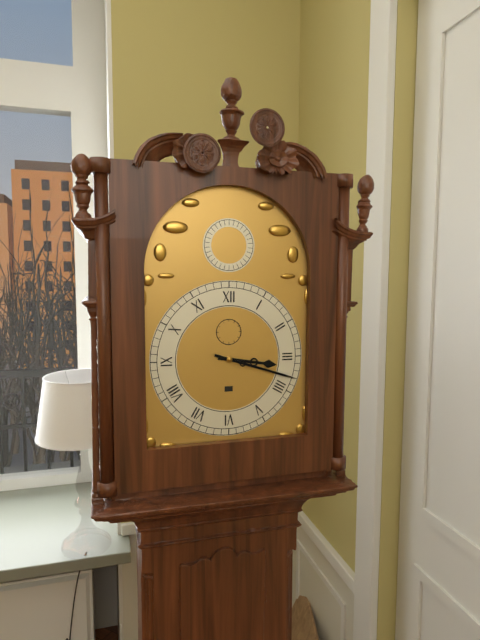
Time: 3h18
